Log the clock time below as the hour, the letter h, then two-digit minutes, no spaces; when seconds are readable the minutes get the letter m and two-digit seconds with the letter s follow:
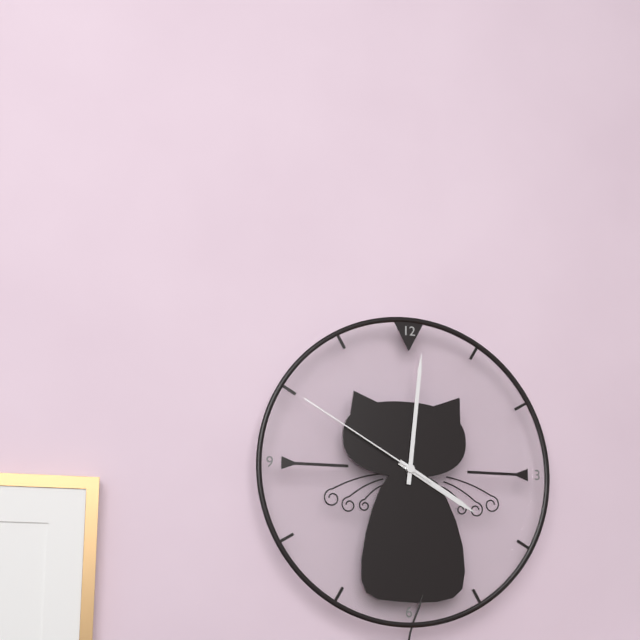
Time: 4h01m50s
